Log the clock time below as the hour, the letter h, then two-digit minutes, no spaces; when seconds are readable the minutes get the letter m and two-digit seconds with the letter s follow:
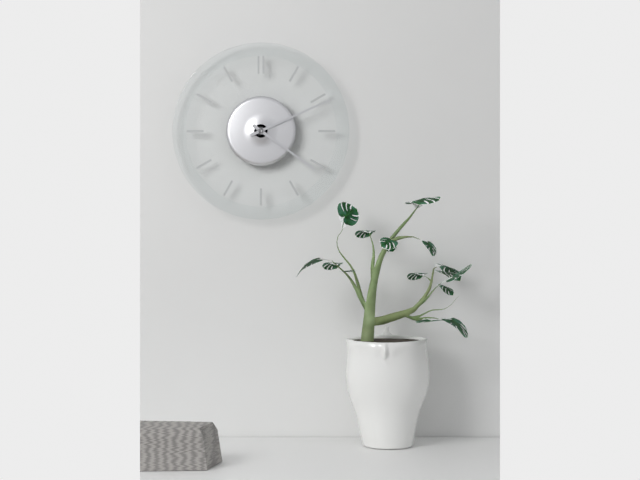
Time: 4h11
